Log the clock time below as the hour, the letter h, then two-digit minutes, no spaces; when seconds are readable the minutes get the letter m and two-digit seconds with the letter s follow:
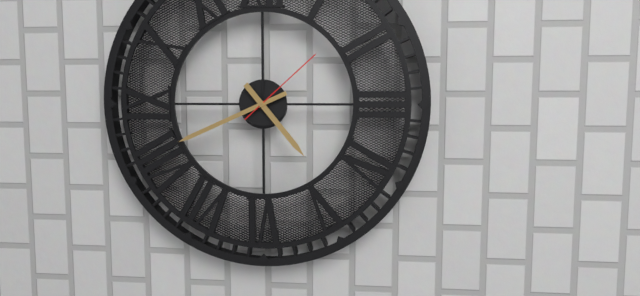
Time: 4h41m08s
